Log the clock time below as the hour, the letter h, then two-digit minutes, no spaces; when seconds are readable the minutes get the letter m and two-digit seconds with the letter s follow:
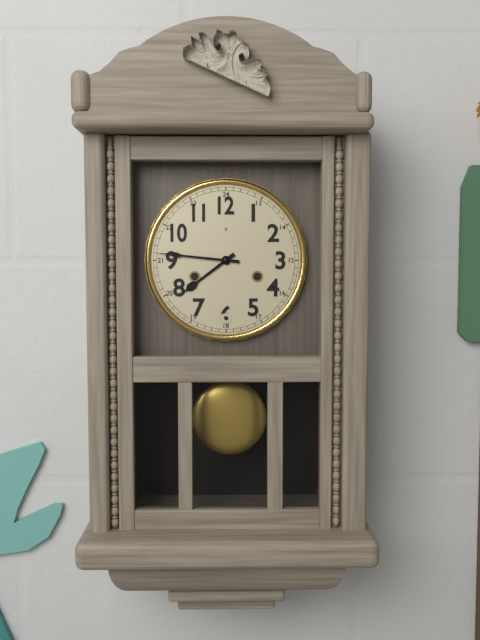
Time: 7h46
